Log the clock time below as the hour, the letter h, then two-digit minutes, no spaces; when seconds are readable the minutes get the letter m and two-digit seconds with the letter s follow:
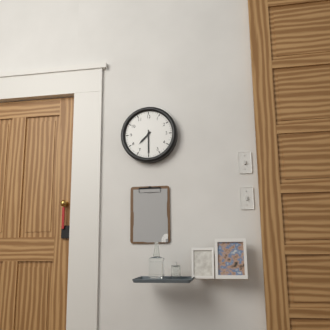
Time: 7h30
